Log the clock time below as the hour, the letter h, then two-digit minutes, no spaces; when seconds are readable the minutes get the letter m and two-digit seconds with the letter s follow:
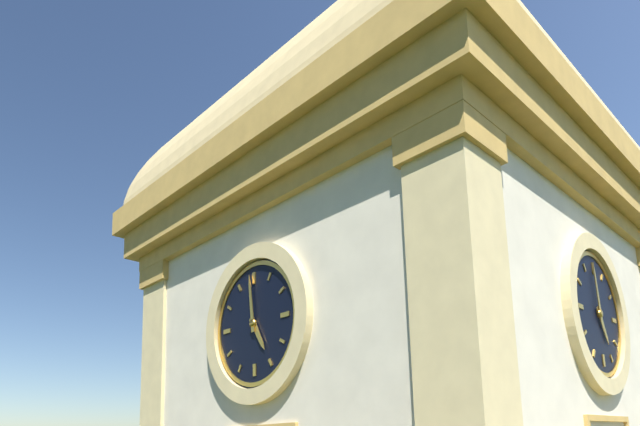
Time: 4h59
